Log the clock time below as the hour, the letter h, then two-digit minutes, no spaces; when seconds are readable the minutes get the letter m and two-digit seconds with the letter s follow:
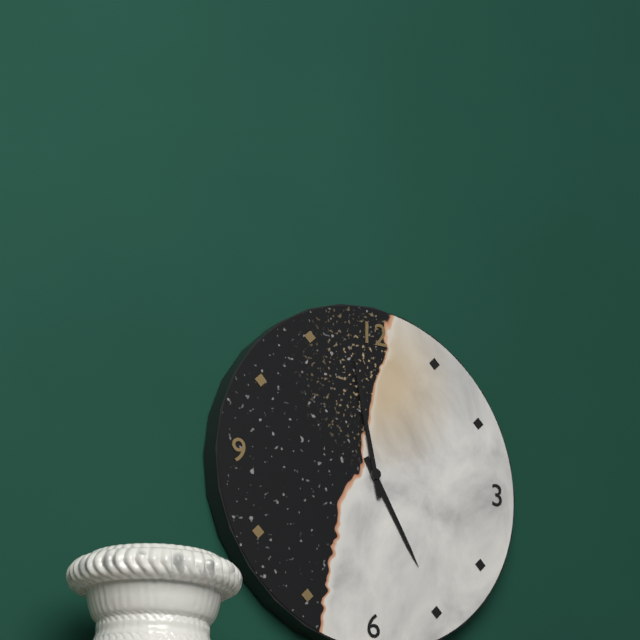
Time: 4h58
